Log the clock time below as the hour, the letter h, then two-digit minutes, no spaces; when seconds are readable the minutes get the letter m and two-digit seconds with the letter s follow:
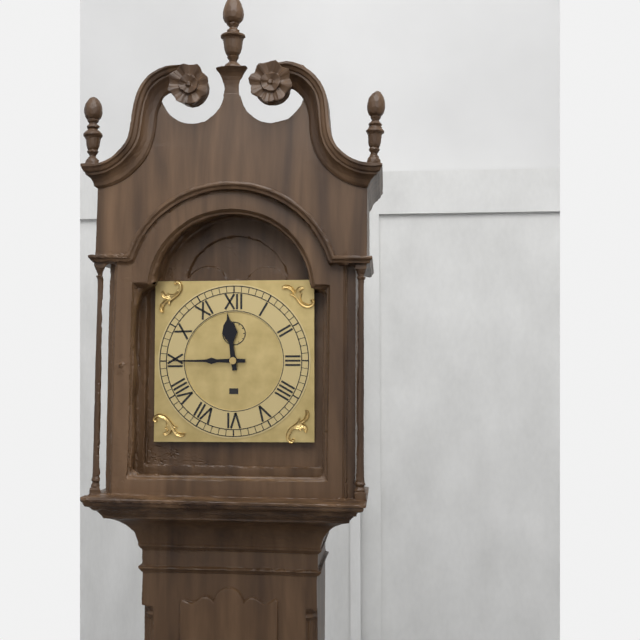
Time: 11h45
